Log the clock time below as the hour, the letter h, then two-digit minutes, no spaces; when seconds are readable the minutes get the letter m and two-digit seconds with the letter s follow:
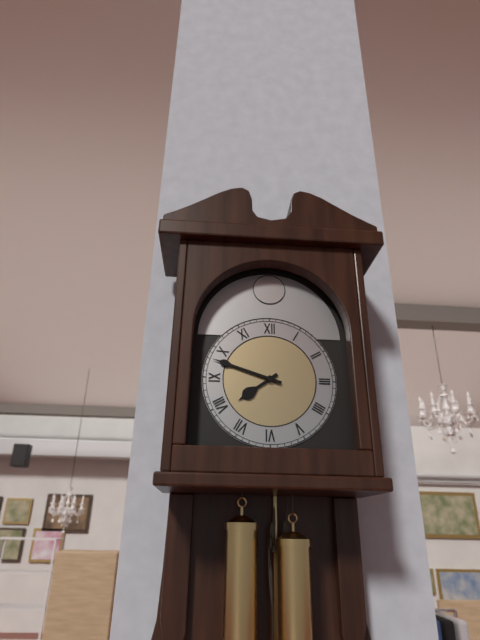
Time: 7h48
